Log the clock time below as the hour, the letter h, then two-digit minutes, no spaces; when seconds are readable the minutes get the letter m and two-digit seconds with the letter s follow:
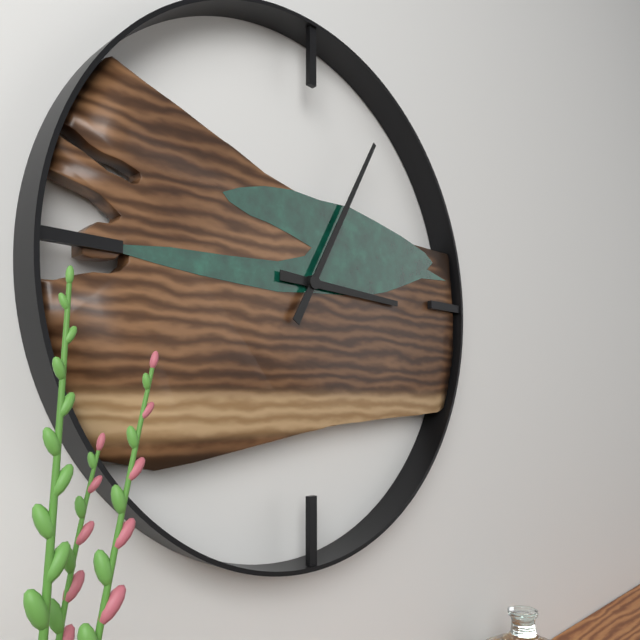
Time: 3h05
